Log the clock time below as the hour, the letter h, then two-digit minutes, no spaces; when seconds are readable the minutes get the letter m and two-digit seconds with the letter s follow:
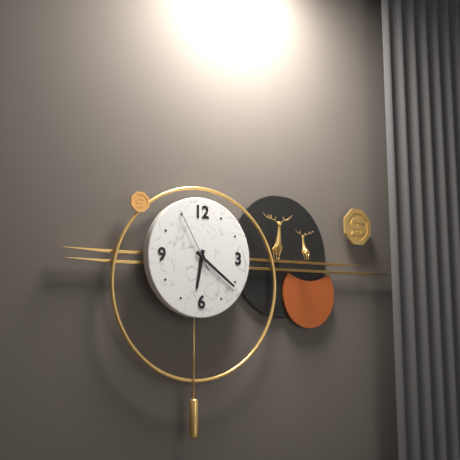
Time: 6h21m55s
